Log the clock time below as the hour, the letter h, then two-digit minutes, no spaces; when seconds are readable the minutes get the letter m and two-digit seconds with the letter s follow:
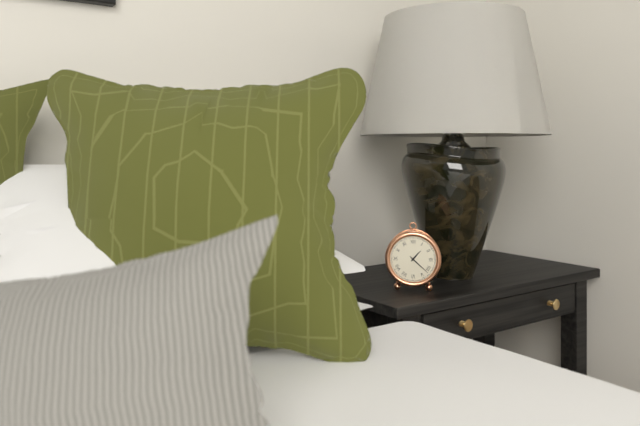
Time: 1h22
